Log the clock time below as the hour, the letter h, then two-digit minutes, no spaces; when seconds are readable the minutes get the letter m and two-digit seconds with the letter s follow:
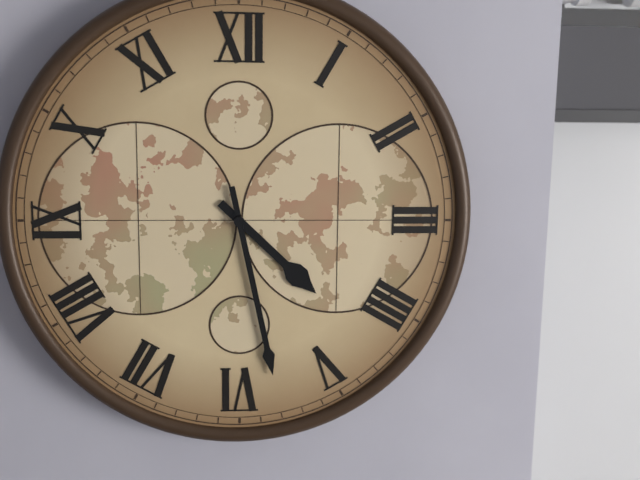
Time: 4h28
